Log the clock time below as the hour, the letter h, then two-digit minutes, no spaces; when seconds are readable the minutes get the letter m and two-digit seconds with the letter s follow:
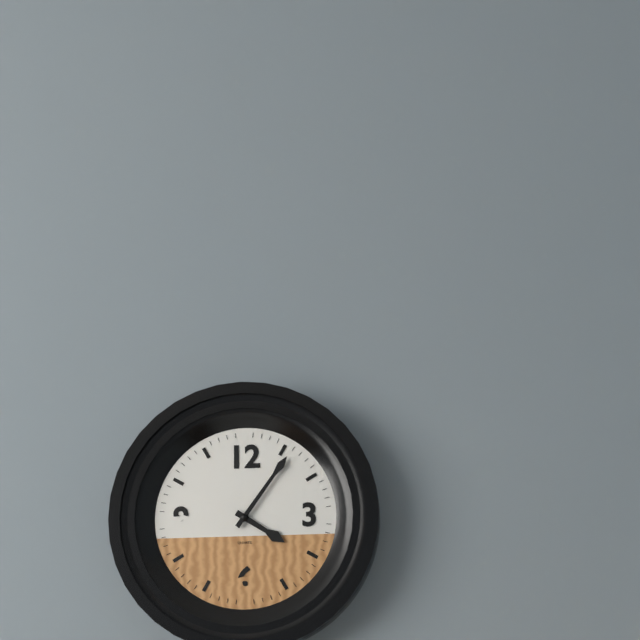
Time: 4h06
